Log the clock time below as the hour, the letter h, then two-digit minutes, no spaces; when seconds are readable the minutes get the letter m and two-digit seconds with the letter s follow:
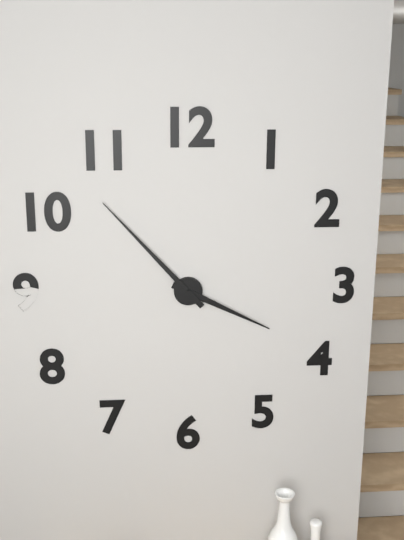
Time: 3h53
